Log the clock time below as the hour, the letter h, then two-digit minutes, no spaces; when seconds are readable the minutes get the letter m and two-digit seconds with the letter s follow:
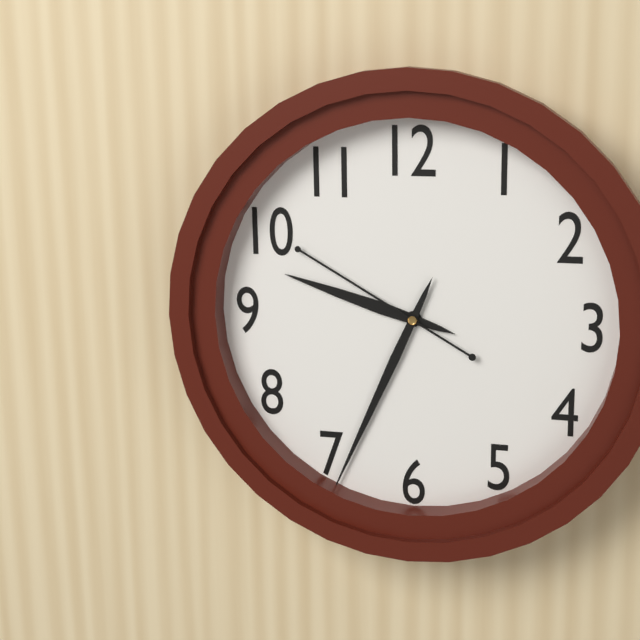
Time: 9h34m50s
